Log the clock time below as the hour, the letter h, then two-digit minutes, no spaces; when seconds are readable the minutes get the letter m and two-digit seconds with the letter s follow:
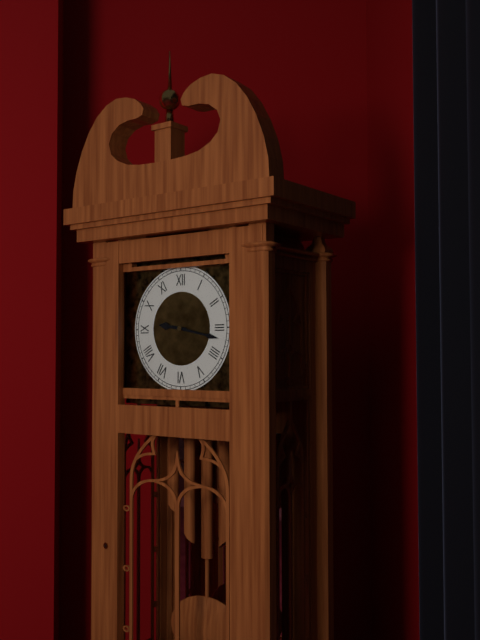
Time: 9h17
